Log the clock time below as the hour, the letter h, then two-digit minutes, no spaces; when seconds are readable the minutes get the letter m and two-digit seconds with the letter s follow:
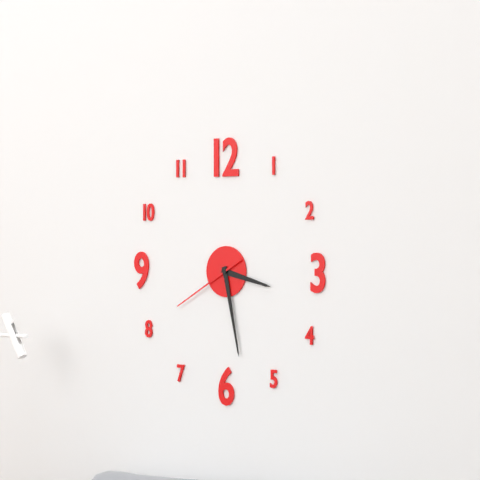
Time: 3h28m40s
